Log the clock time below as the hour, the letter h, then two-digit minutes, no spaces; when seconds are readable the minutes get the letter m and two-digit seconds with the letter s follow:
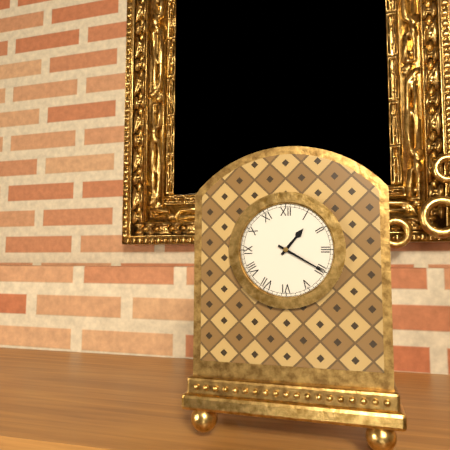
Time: 1h20
